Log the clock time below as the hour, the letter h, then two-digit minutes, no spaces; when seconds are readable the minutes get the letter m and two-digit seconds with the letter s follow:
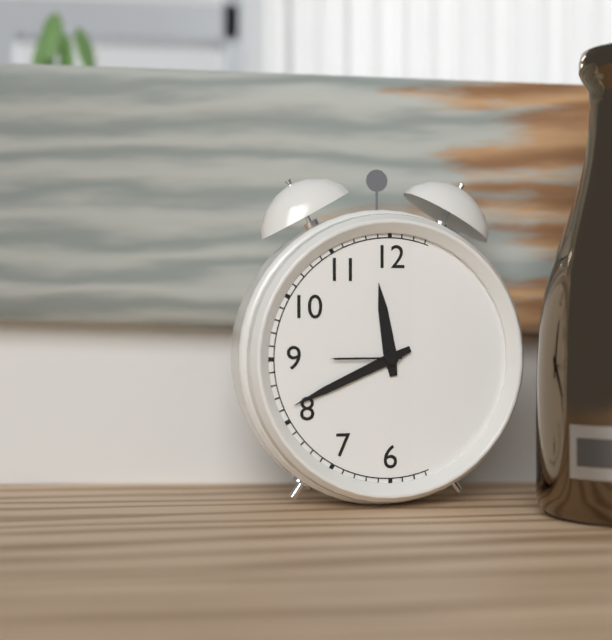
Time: 11h41
